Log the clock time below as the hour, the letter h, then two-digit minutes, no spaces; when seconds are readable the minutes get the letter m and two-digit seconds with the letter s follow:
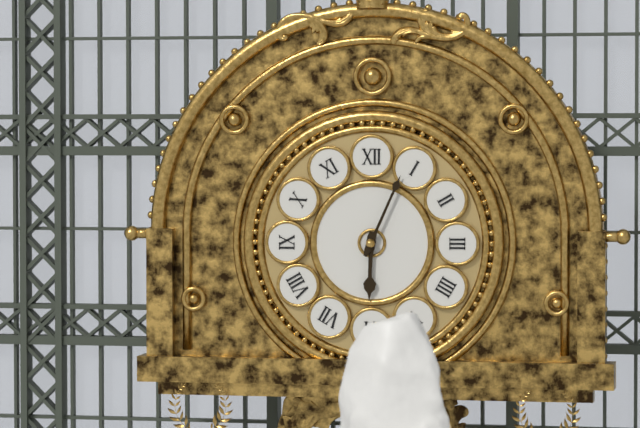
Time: 6h04
